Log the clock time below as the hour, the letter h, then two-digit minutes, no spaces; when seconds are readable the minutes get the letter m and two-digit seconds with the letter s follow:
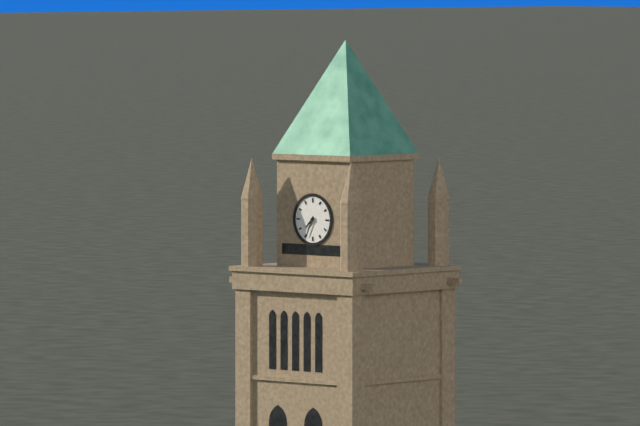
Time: 7h34
